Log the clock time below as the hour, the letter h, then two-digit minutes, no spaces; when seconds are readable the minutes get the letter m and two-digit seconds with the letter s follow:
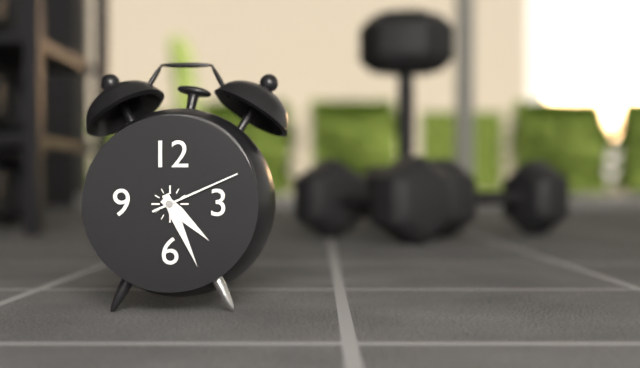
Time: 4h26m11s
